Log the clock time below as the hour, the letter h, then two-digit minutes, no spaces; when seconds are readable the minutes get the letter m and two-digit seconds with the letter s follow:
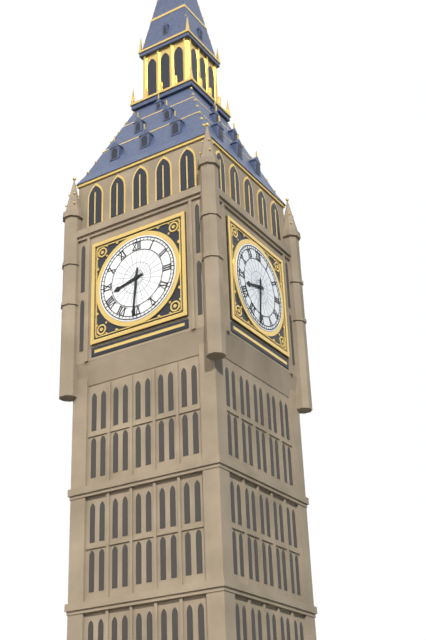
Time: 8h31
